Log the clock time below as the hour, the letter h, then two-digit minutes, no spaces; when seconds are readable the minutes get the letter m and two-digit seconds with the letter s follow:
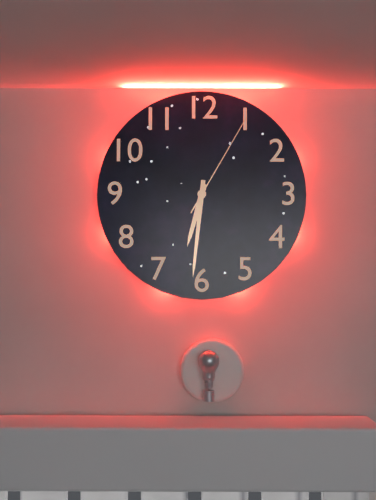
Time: 6h31m05s
